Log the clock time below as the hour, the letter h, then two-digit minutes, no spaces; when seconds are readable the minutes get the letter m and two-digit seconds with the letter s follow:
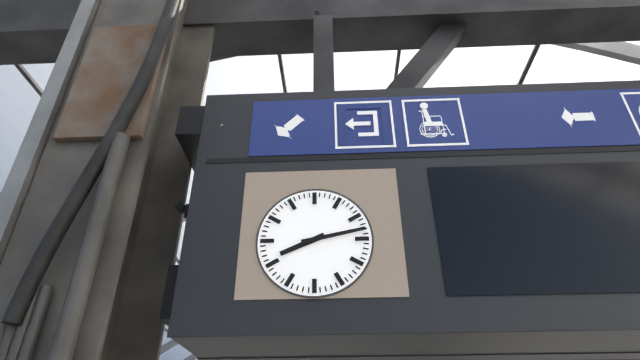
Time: 8h13
